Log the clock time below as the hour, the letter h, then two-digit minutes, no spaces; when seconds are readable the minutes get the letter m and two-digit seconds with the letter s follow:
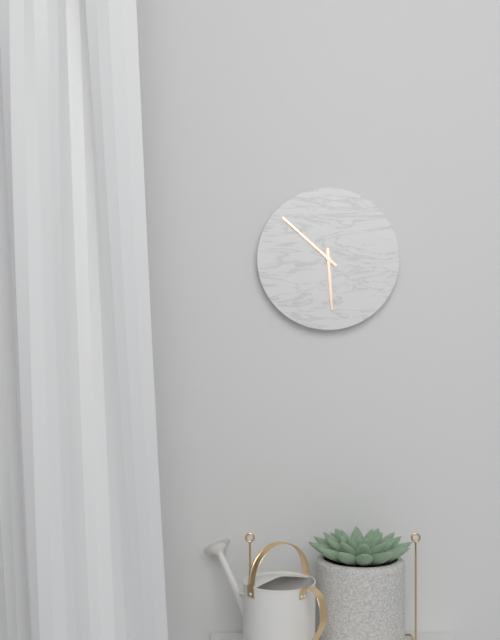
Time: 5h52
